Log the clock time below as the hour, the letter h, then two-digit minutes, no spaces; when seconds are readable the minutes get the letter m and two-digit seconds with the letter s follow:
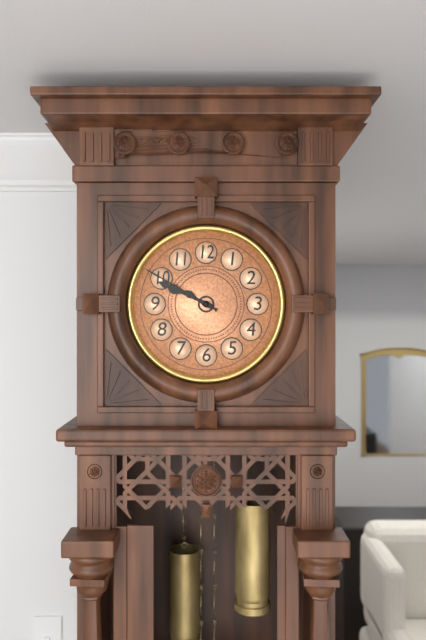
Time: 9h50
